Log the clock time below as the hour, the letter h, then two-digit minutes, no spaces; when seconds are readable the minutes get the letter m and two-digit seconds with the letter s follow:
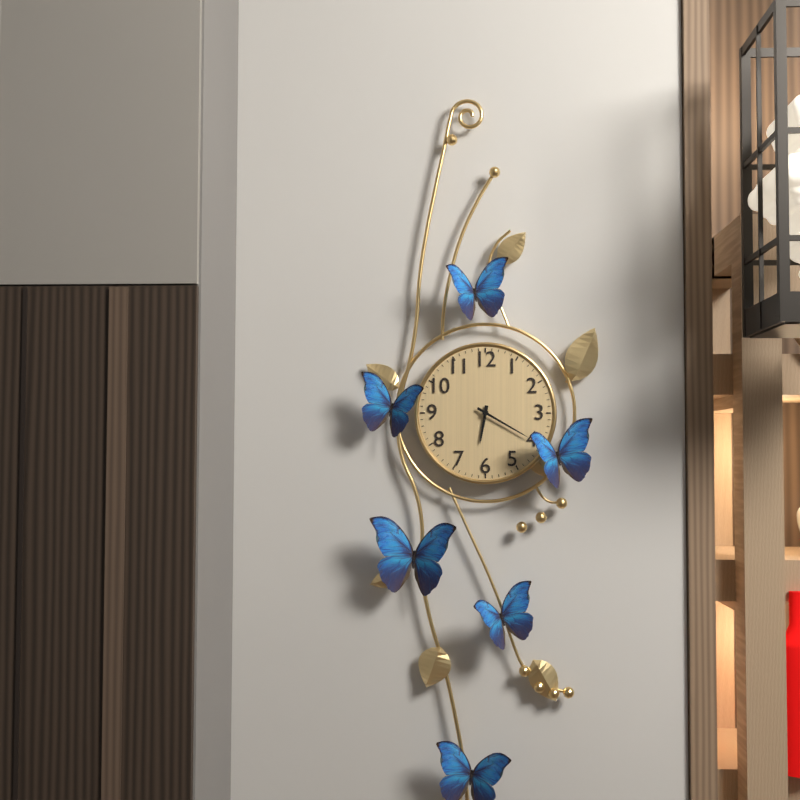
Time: 6h20
